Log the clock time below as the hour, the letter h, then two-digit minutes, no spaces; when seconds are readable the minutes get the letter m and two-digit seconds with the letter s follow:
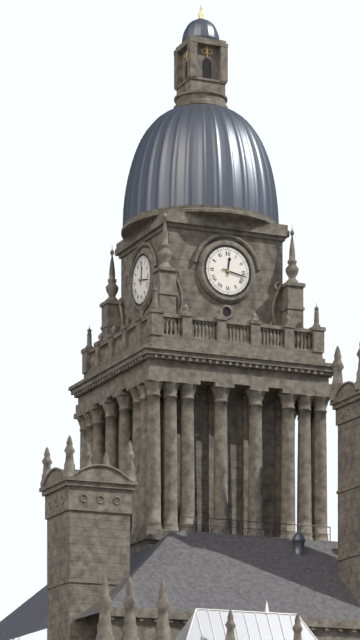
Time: 12h17
